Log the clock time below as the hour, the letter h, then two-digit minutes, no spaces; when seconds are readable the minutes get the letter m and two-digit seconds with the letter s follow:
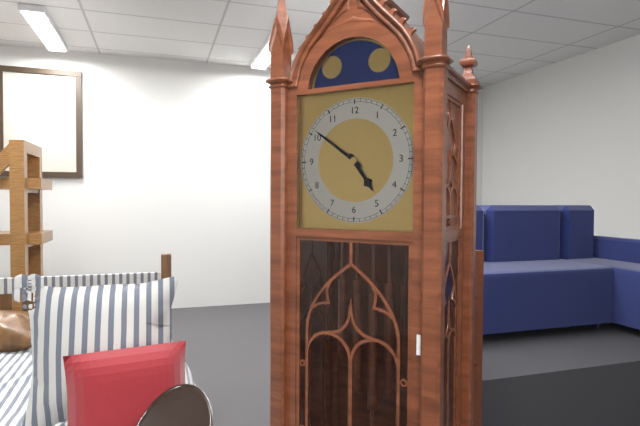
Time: 4h51
